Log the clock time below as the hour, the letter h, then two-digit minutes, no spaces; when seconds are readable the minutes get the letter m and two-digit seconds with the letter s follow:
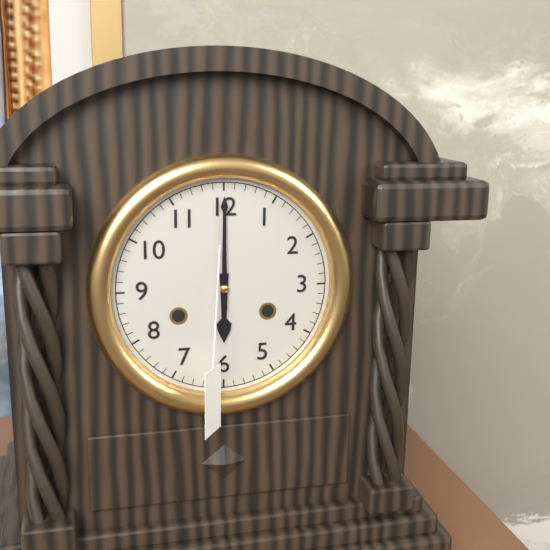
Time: 6h00
